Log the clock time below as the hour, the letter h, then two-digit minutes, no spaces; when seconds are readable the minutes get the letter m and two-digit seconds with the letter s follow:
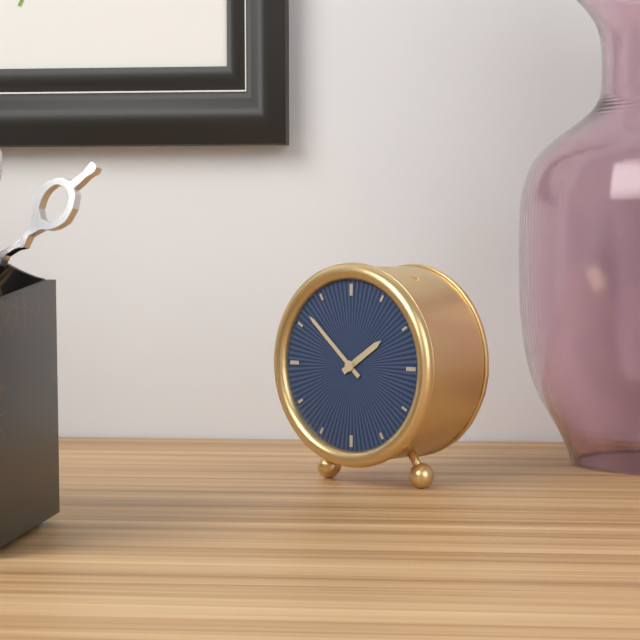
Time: 1h52
